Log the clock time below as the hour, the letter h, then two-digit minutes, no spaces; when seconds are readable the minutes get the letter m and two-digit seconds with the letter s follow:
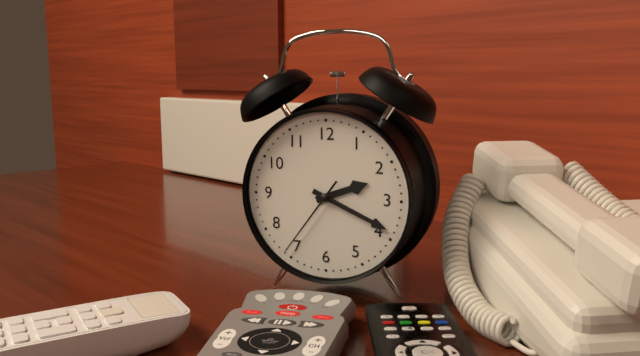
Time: 2h19m36s
